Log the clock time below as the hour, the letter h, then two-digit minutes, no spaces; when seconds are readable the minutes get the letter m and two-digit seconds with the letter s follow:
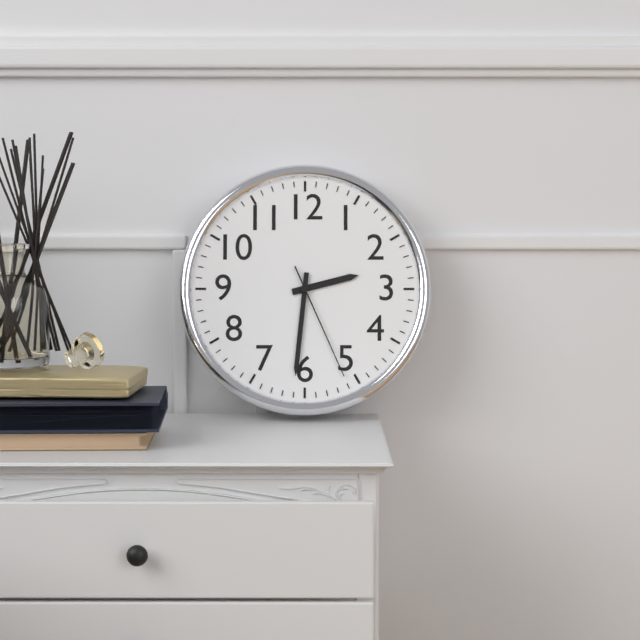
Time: 2h31m26s
